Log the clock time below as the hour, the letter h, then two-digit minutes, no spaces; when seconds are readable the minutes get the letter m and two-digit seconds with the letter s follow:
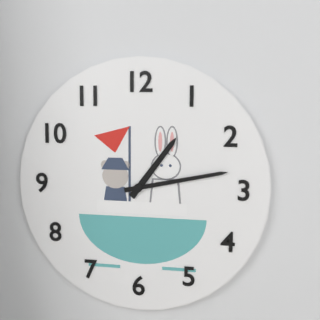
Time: 1h13
